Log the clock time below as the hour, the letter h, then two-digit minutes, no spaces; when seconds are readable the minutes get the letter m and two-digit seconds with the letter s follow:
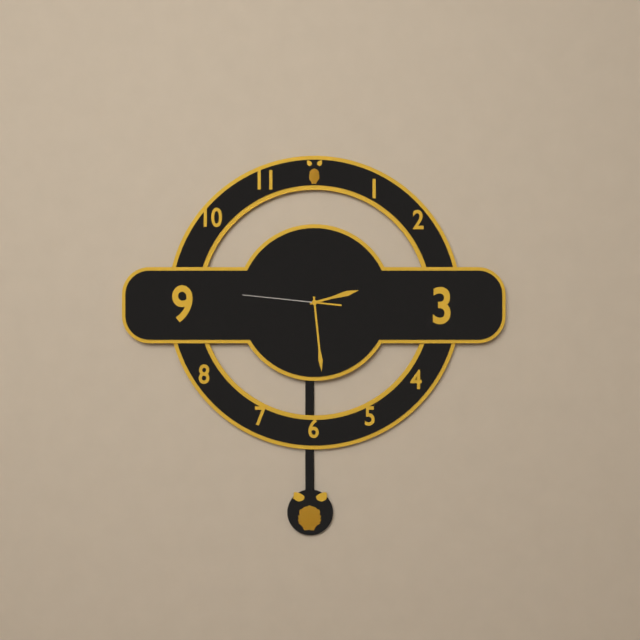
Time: 2h29m46s
